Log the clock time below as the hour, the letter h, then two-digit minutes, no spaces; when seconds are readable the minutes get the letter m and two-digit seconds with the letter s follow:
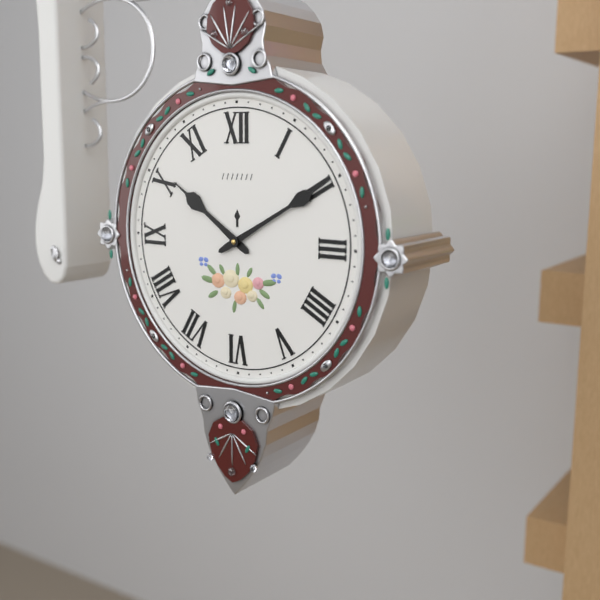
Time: 10h10
